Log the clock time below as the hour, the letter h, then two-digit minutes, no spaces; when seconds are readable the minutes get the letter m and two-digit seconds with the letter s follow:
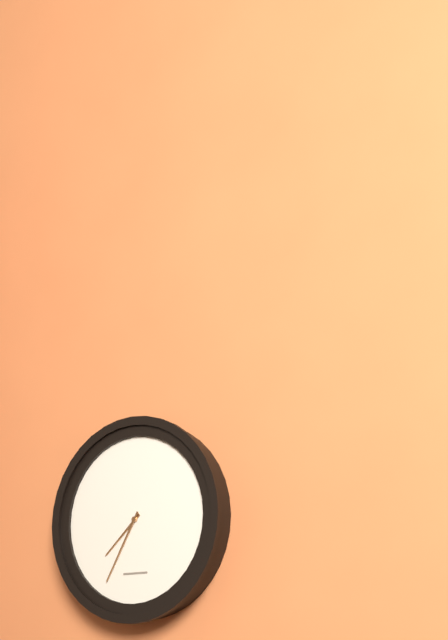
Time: 7h35
